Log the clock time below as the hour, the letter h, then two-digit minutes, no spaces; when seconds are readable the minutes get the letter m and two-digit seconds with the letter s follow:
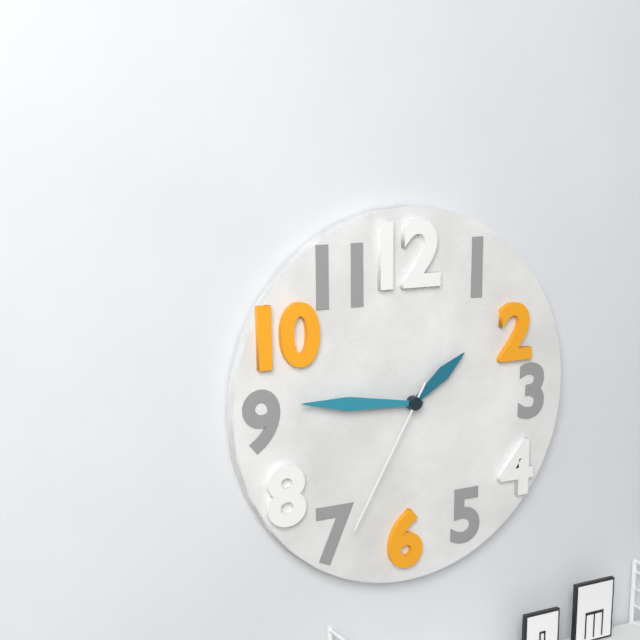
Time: 1h46m35s
